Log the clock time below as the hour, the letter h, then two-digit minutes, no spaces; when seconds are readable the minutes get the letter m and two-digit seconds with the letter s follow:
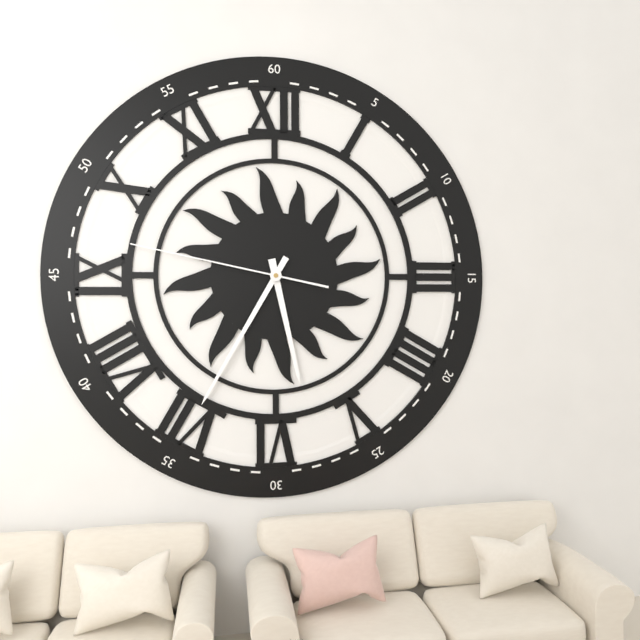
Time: 5h35m47s
